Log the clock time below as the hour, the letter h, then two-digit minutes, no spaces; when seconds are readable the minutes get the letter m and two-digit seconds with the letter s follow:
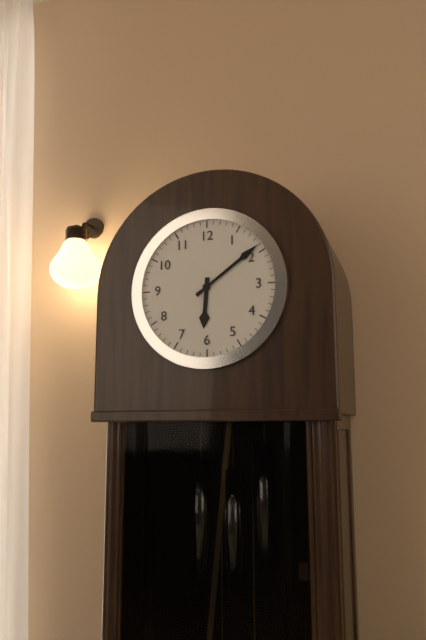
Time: 6h09
